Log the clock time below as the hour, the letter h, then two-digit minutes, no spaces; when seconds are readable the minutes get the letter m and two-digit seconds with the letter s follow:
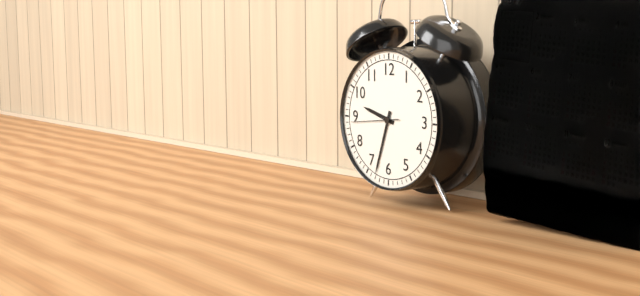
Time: 9h33
